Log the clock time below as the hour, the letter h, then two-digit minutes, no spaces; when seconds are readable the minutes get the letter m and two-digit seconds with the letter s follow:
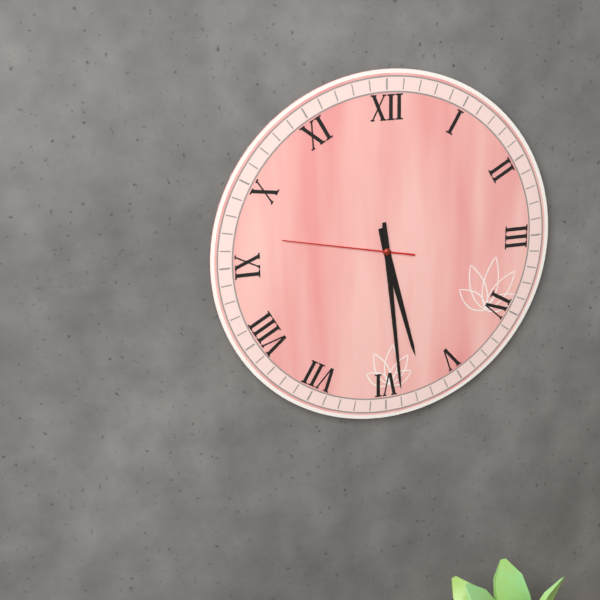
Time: 5h29m47s
